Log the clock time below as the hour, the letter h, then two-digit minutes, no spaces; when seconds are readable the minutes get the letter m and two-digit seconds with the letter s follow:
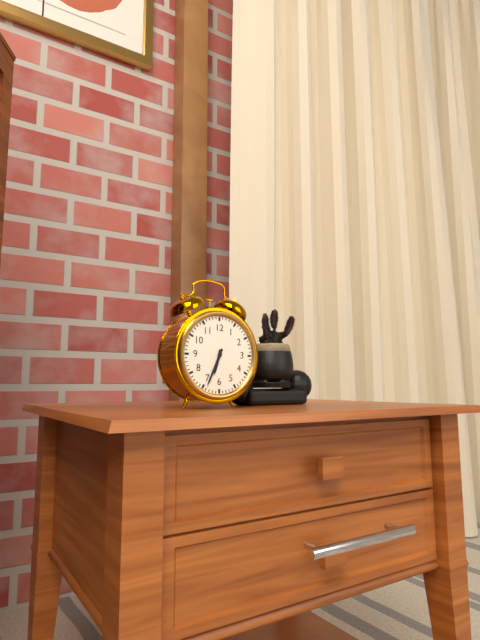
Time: 6h34
